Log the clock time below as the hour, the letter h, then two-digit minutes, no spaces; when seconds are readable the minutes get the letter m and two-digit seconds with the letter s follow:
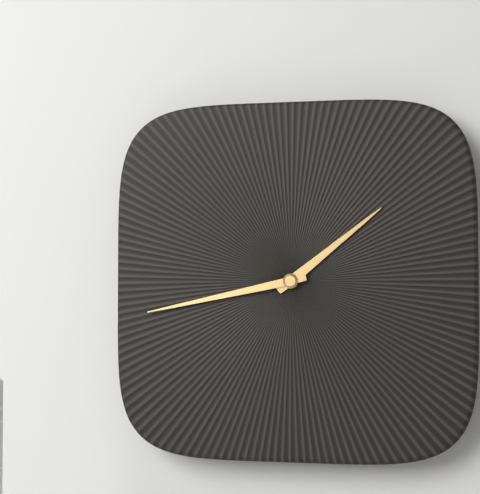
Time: 1h43
